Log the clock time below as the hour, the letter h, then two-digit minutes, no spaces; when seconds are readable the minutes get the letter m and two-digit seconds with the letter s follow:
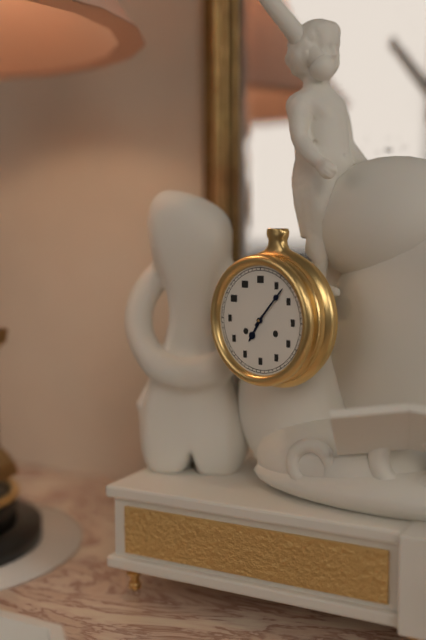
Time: 7h07
